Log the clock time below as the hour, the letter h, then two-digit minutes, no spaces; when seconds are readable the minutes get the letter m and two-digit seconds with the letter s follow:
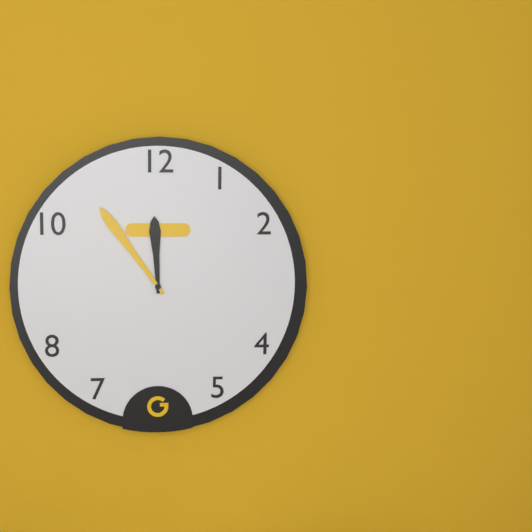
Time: 11h54
